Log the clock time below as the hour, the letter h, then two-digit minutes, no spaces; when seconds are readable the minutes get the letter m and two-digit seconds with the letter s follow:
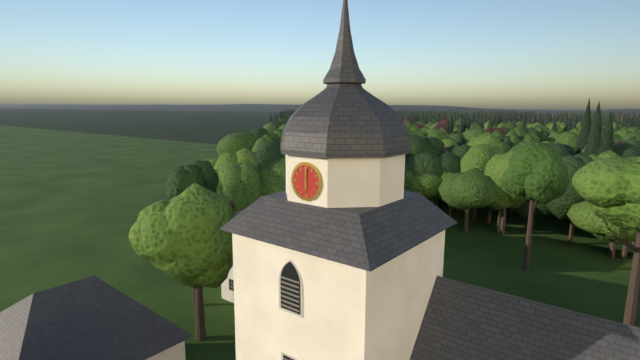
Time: 6h00
